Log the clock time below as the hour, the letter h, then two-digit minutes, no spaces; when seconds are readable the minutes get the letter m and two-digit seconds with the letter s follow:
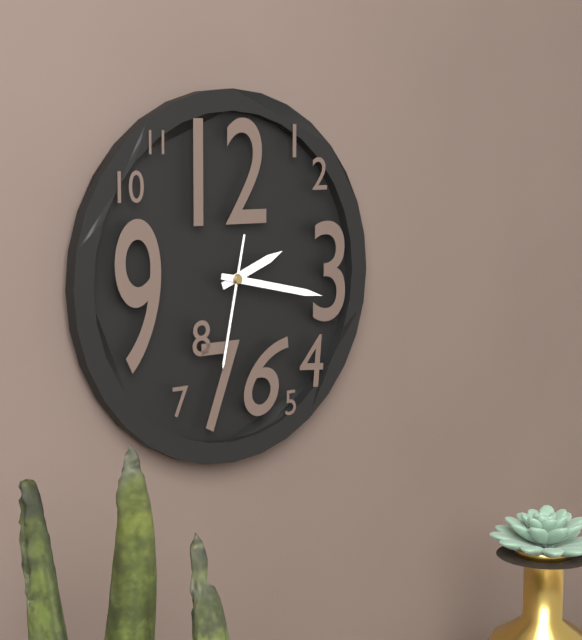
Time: 2h17m32s
